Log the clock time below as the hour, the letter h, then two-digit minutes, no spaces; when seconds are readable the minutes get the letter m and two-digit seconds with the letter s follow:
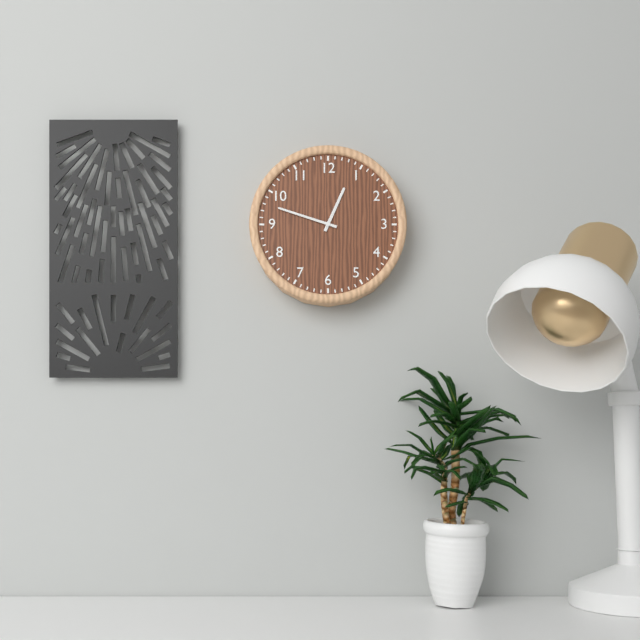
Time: 12h48
